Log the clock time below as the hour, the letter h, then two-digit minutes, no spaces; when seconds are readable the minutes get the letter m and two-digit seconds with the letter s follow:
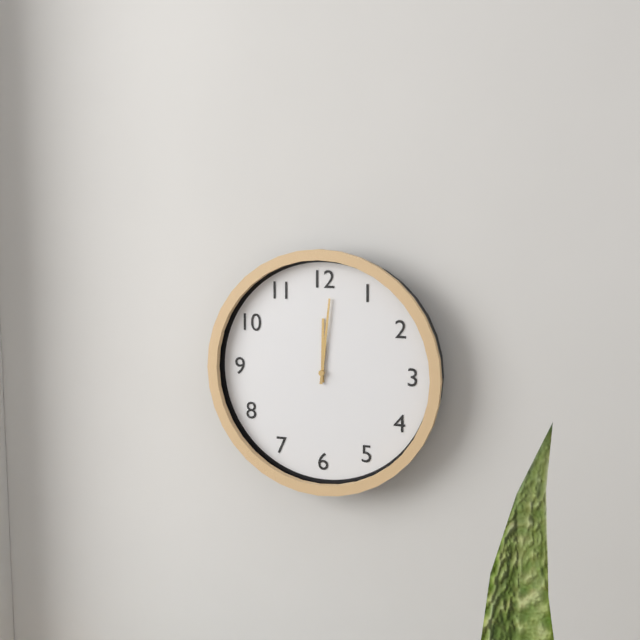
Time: 12h01
